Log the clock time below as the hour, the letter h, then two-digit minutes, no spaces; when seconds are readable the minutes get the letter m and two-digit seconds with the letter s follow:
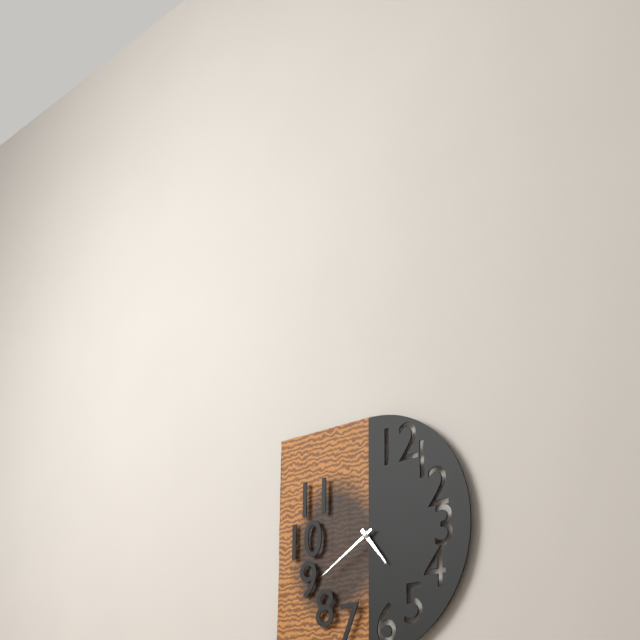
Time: 4h40
